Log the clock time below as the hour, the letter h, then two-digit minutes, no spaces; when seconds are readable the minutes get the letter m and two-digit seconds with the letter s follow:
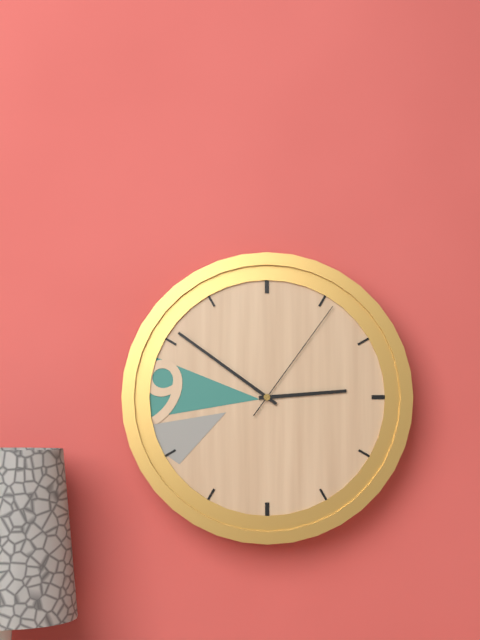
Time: 2h51m06s
